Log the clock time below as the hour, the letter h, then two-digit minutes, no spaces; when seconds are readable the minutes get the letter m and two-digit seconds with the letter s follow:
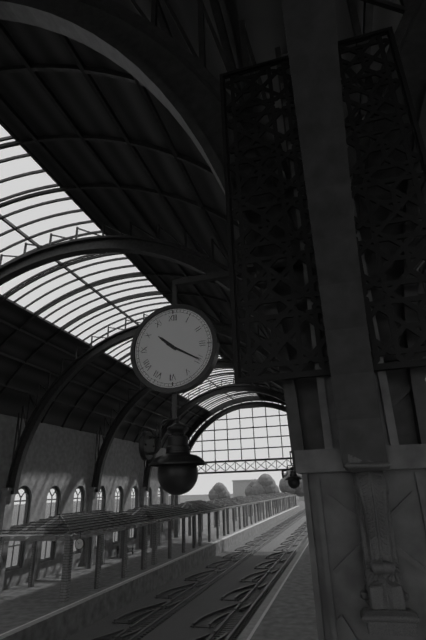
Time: 10h20
